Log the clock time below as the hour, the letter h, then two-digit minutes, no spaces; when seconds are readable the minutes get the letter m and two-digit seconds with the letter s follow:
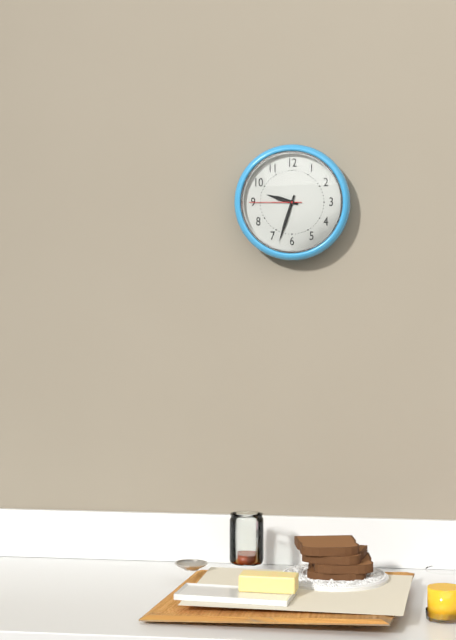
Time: 9h33m45s
